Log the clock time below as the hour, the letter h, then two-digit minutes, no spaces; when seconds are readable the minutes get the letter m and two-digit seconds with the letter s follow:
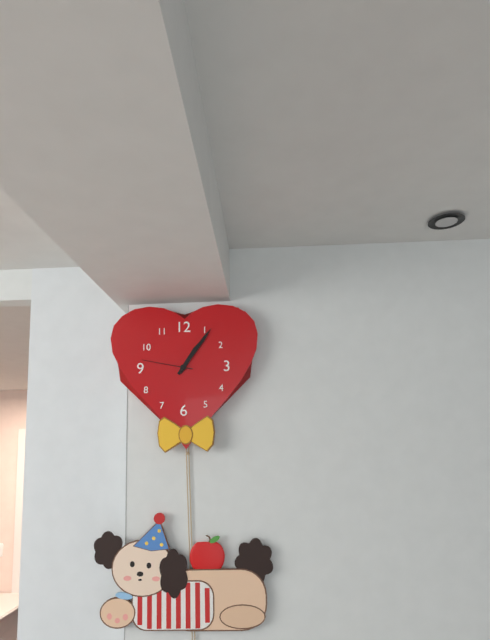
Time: 1h06m47s
